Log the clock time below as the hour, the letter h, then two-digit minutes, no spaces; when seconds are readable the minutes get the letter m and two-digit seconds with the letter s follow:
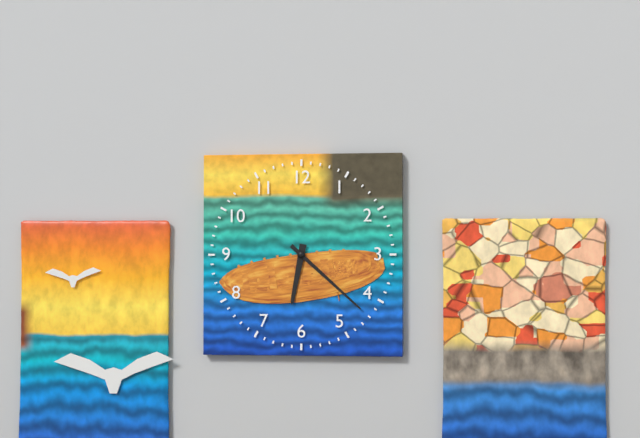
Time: 6h22
